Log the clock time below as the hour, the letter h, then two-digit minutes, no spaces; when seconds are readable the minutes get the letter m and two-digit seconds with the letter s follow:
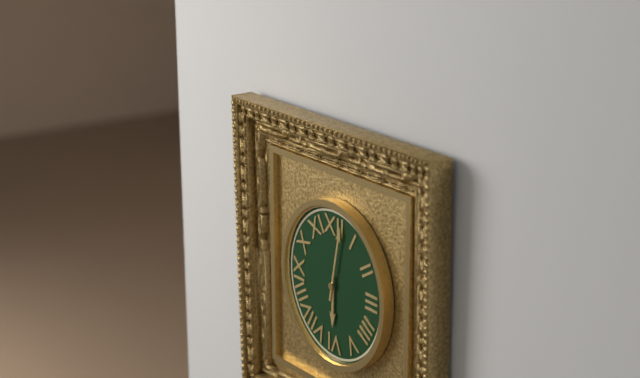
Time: 6h02
